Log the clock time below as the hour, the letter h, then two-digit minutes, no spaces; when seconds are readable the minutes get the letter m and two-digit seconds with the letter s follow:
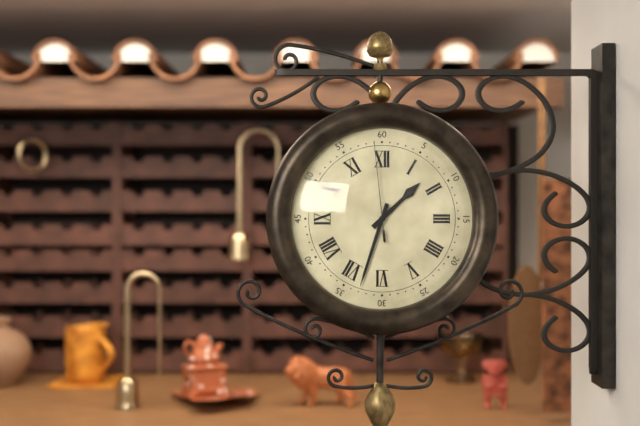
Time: 1h33m59s
